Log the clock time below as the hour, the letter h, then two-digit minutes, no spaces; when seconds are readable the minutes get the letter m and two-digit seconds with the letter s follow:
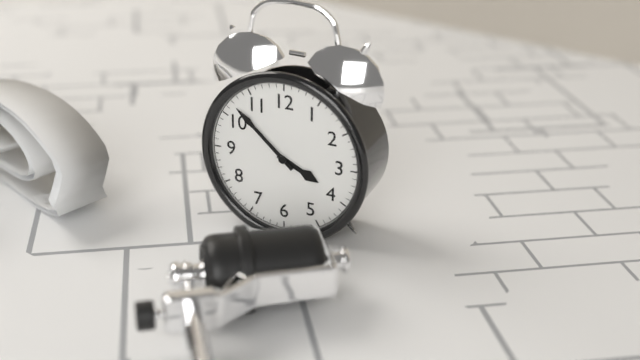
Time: 3h52
